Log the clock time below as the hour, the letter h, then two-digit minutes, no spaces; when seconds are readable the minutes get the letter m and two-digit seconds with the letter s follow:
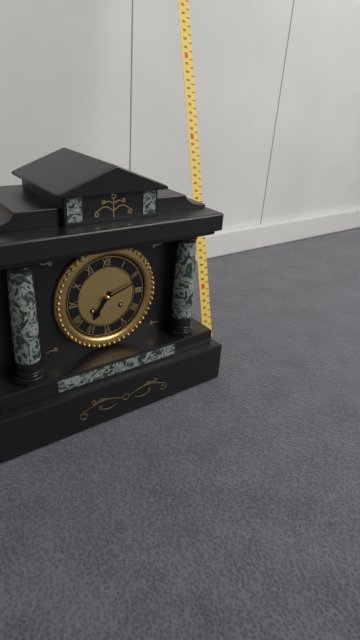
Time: 7h12
